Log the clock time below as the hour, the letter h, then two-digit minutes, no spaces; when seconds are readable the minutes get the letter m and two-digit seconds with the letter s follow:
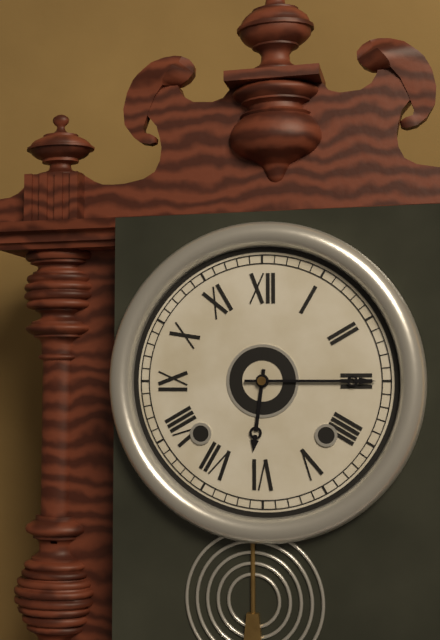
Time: 6h15
